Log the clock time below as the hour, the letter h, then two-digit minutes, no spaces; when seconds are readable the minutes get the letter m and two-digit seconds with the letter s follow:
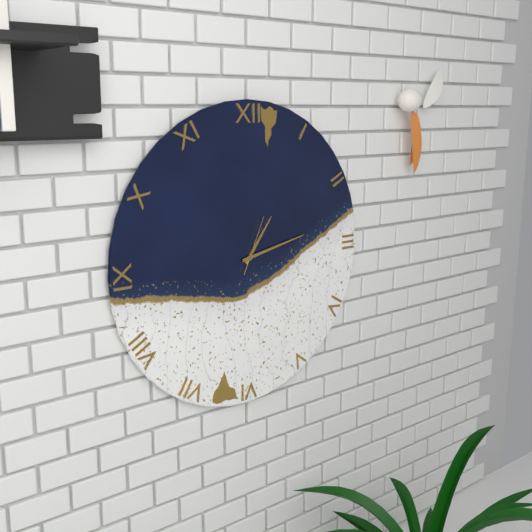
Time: 1h13m04s
